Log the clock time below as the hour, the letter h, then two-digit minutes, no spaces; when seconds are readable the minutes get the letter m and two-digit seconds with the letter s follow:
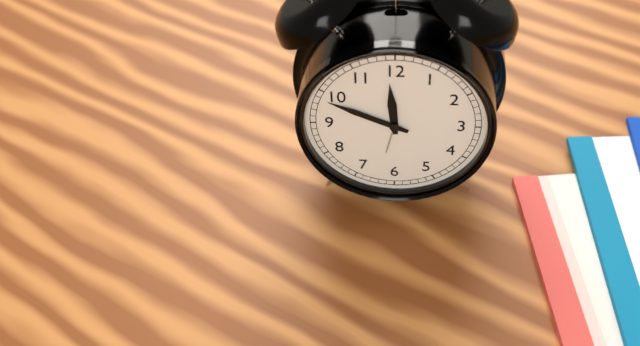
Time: 11h49
